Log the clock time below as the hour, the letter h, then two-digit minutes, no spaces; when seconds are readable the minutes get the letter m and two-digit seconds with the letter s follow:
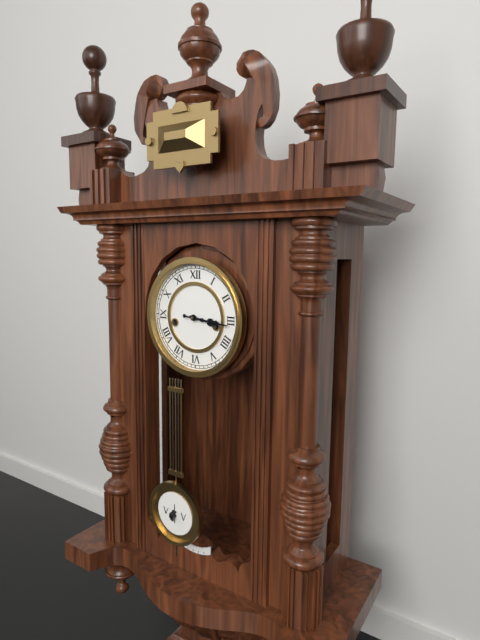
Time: 3h16
